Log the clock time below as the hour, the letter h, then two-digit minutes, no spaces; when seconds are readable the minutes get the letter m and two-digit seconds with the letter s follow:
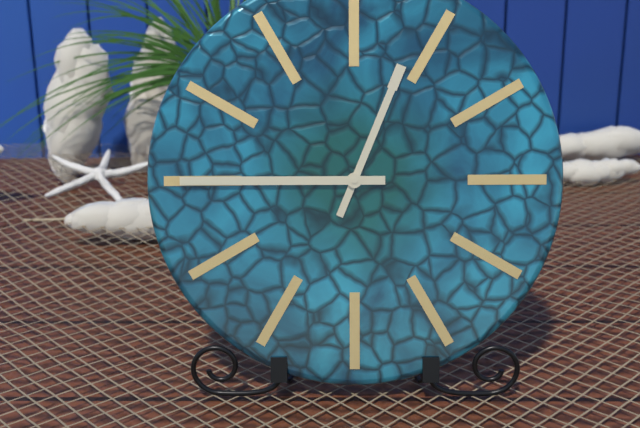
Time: 12h45
